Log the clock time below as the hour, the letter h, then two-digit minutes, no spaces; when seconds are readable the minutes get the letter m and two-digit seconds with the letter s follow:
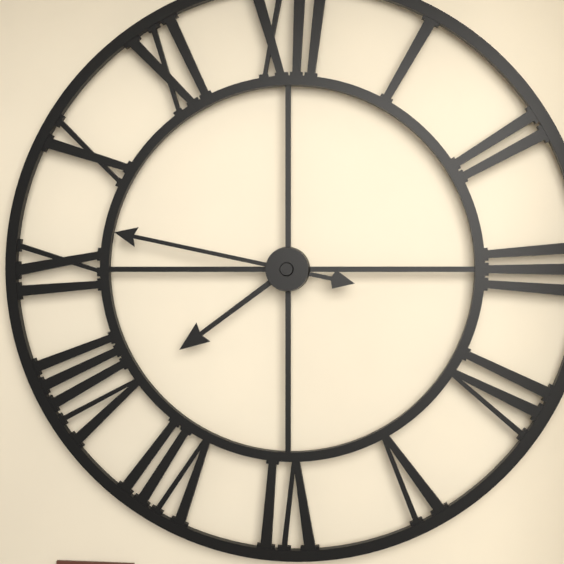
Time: 7h47
